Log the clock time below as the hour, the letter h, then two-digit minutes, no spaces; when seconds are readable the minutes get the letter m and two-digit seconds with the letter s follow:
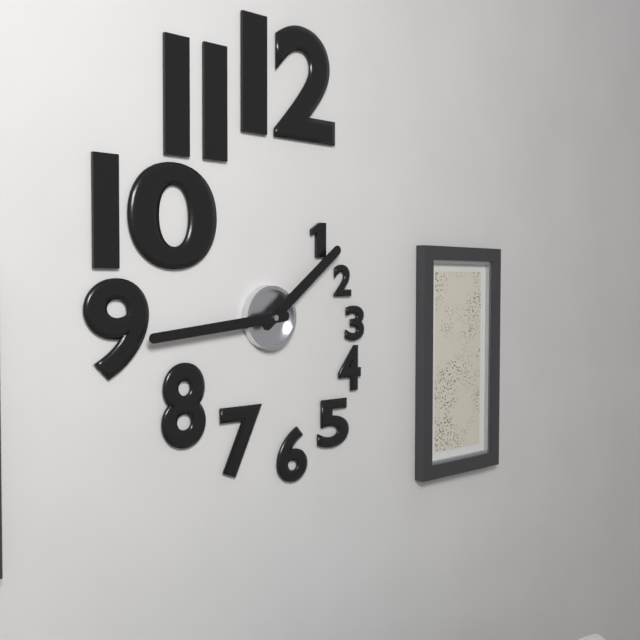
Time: 1h44
